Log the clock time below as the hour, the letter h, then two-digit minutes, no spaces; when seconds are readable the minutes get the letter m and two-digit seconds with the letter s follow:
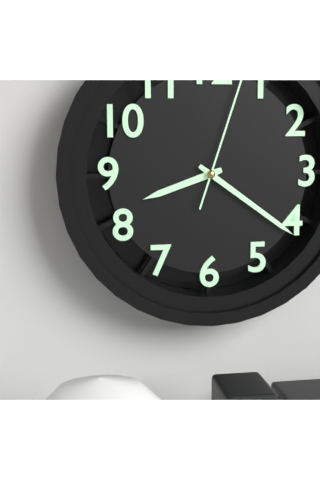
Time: 8h21m03s
